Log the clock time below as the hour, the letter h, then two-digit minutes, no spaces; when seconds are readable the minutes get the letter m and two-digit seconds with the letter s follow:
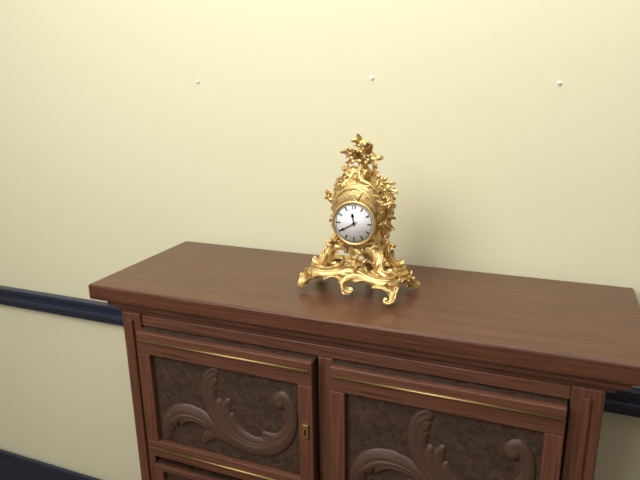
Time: 11h40
